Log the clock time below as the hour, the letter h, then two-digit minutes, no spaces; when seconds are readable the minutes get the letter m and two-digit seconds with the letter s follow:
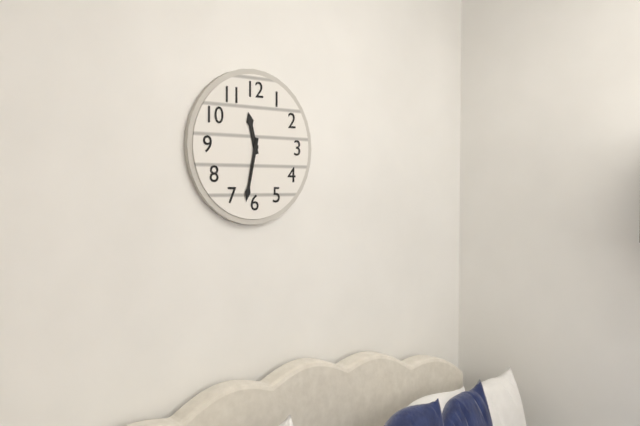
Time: 11h32
